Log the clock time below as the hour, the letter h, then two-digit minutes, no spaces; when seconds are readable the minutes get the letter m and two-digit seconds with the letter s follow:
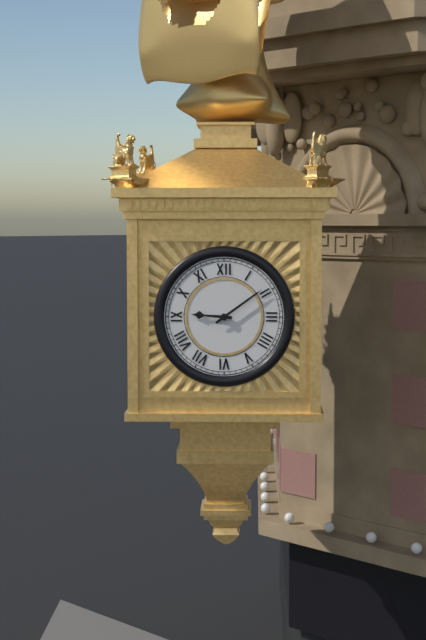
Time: 9h09
